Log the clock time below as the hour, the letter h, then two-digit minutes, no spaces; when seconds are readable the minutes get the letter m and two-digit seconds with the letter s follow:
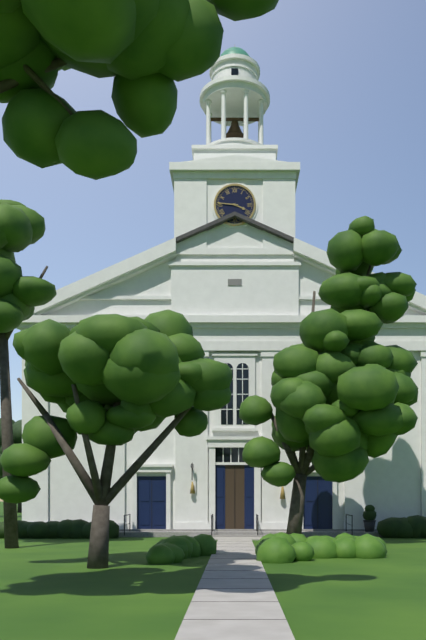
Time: 3h46
